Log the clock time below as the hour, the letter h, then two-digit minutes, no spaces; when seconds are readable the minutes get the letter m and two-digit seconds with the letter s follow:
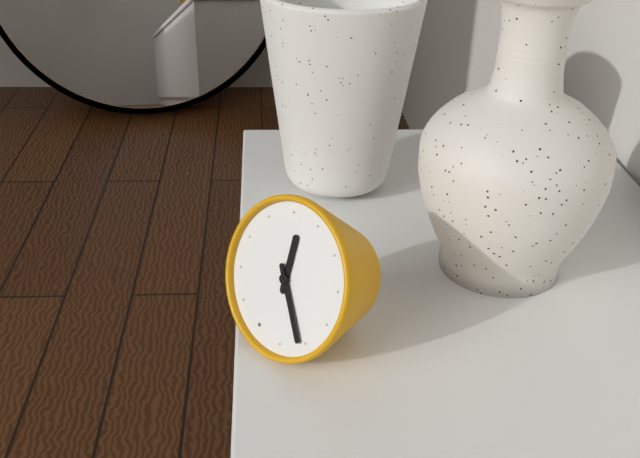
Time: 11h21
